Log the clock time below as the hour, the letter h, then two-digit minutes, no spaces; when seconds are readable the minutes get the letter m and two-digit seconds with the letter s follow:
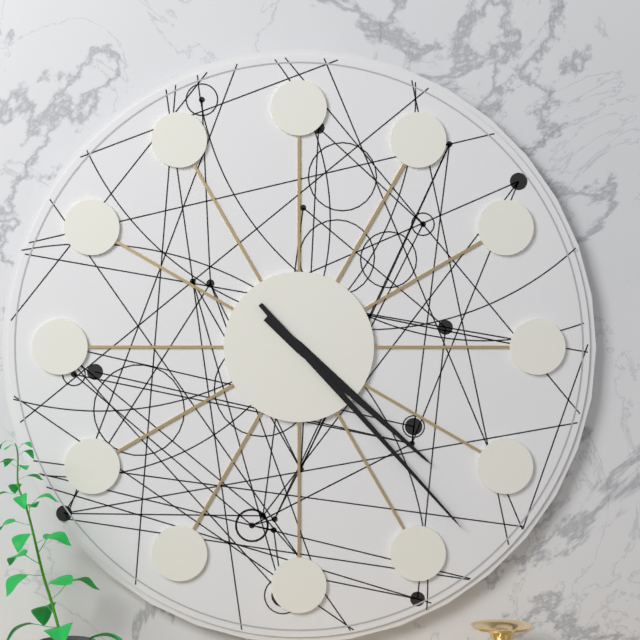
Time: 4h23
